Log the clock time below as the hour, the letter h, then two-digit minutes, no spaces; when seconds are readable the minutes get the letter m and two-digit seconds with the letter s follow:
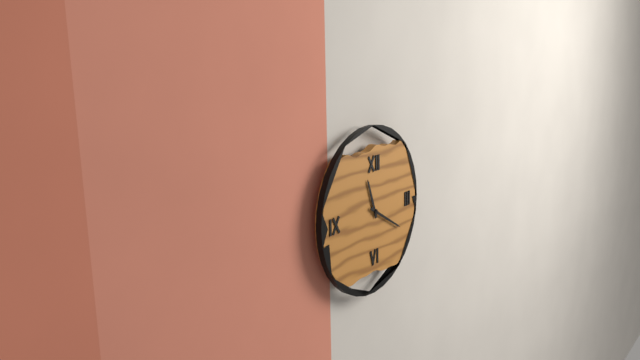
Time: 11h20
